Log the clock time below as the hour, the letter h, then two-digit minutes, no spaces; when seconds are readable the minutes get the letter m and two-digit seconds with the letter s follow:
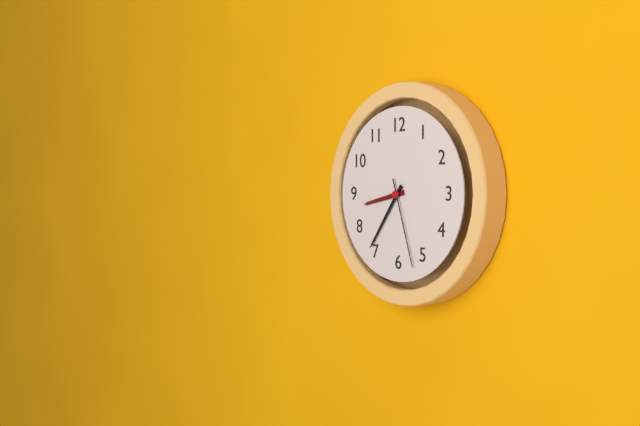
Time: 8h36m27s
